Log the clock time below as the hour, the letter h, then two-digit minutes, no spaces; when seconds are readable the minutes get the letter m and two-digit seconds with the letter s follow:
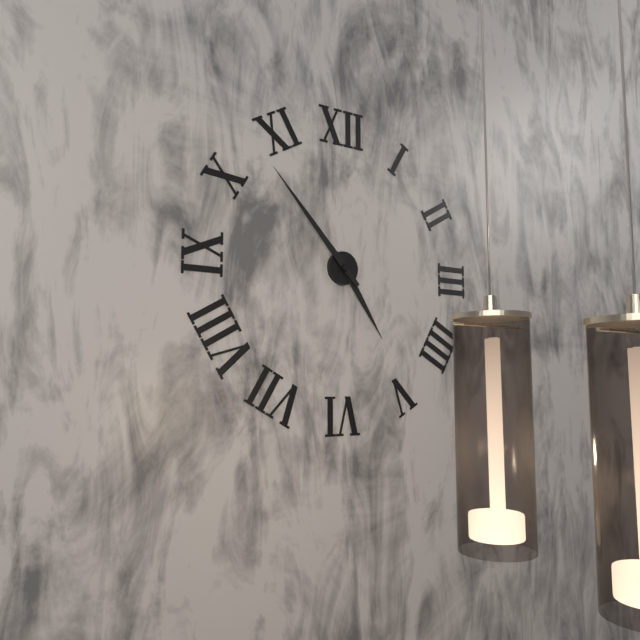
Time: 4h53
